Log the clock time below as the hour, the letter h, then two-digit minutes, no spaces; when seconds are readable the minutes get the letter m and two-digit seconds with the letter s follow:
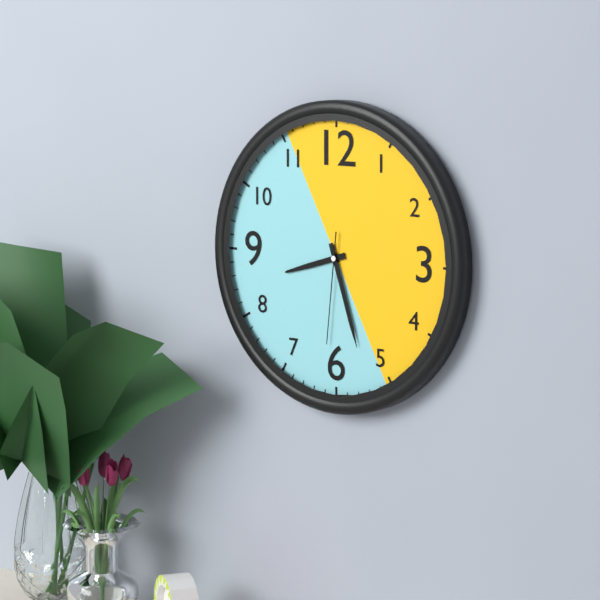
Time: 8h27m31s
